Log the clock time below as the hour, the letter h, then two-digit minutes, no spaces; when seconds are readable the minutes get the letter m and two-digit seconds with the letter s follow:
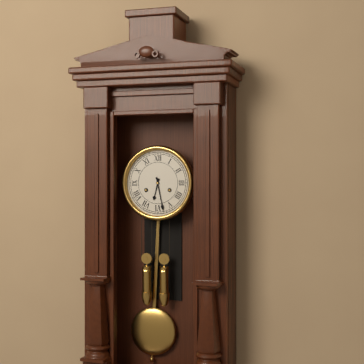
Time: 6h28
